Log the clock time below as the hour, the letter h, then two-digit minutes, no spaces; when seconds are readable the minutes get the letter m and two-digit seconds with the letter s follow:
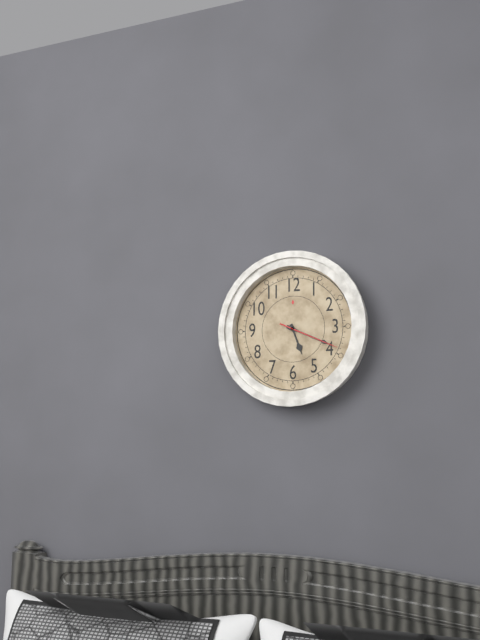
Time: 5h19m19s
